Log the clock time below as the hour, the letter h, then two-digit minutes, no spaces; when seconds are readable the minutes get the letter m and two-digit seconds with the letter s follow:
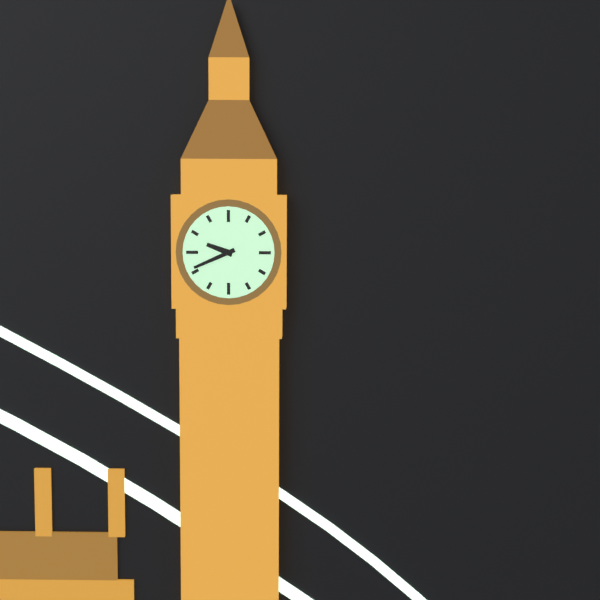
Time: 9h41
